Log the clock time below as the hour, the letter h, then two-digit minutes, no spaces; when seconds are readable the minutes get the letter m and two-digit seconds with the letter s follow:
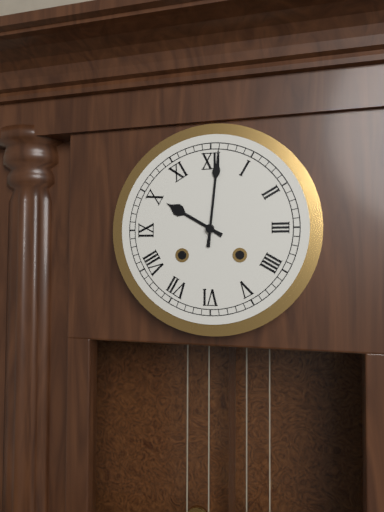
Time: 10h01
